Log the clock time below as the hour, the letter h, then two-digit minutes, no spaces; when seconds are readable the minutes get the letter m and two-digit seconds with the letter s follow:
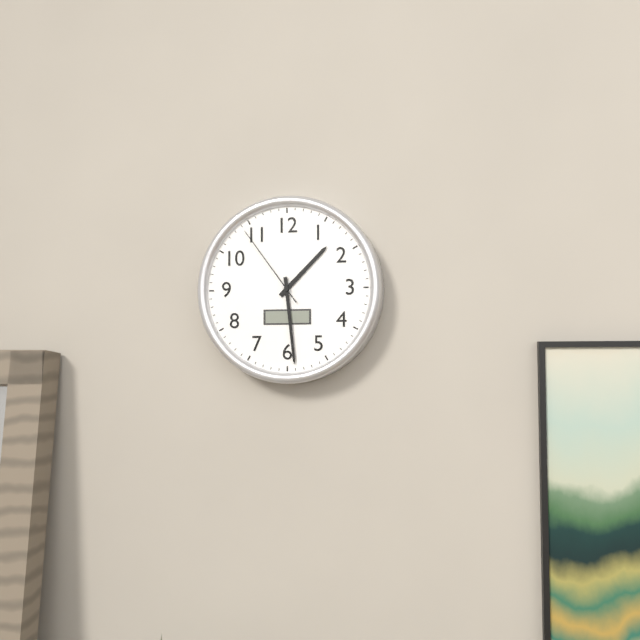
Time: 1h29m54s
